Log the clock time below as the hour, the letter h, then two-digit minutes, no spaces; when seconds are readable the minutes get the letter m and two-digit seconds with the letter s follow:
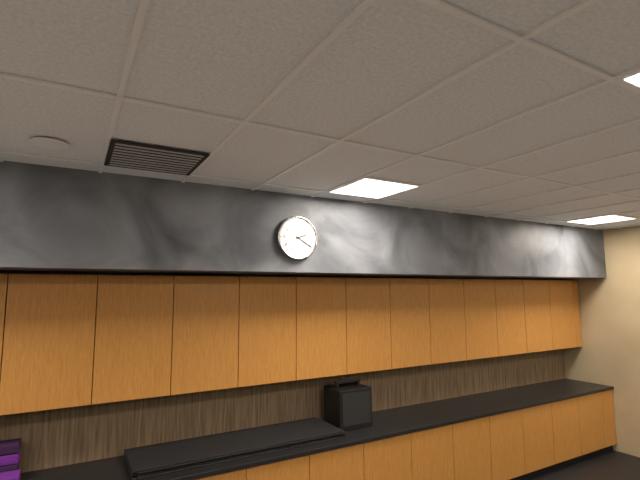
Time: 2h20
